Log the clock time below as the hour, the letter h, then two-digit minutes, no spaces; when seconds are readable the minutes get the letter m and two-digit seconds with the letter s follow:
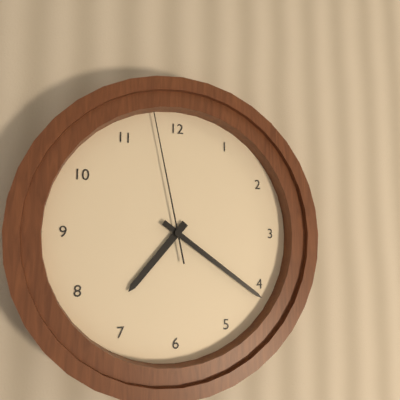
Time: 7h21m58s
